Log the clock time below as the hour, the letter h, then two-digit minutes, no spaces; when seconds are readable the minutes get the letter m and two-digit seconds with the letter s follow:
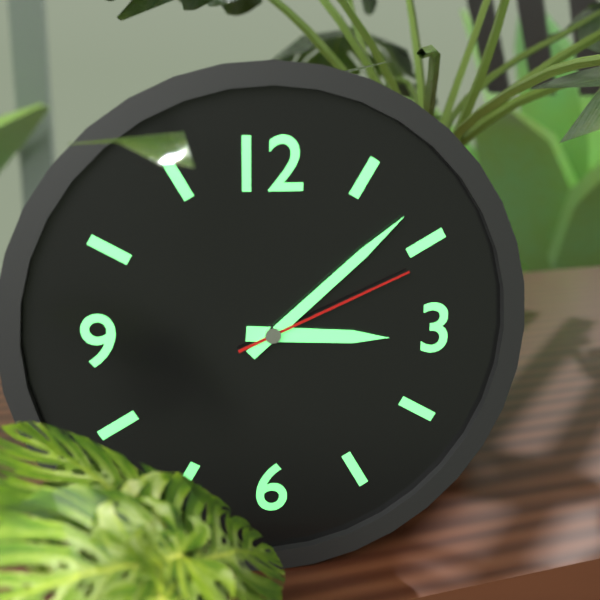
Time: 3h08m11s
